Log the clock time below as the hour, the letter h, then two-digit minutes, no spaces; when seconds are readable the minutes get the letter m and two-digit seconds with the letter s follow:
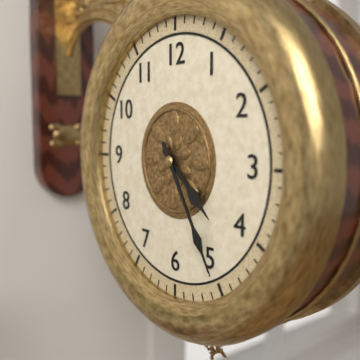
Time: 4h25
